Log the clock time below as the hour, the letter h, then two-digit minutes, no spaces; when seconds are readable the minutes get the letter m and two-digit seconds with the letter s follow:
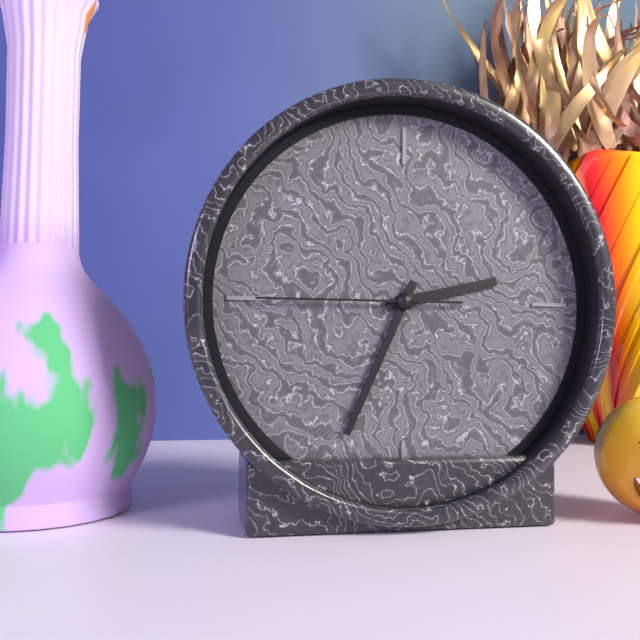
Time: 2h34m45s
